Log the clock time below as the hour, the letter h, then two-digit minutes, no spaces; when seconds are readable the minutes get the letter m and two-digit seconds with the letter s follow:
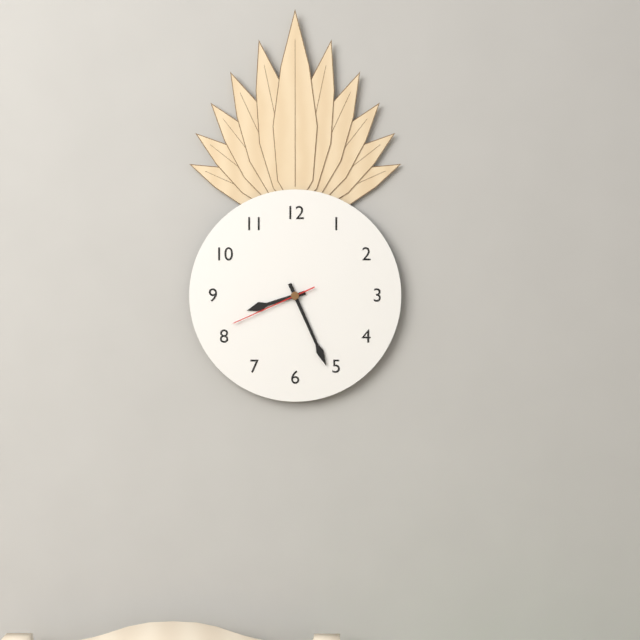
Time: 8h26m41s
